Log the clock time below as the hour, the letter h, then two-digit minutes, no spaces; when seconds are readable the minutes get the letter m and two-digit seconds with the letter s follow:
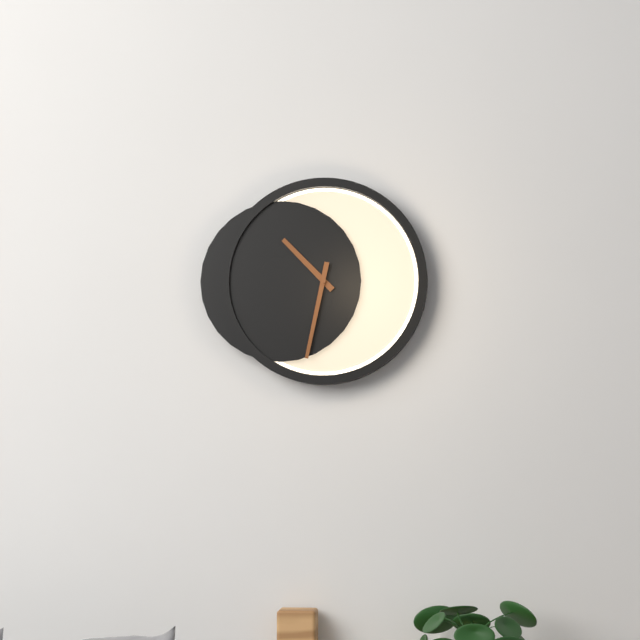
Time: 10h32
